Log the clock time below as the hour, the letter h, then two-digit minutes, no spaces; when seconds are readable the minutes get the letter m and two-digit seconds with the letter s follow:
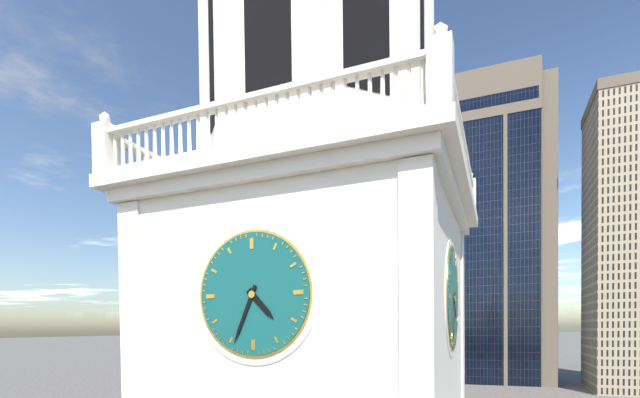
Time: 4h34
